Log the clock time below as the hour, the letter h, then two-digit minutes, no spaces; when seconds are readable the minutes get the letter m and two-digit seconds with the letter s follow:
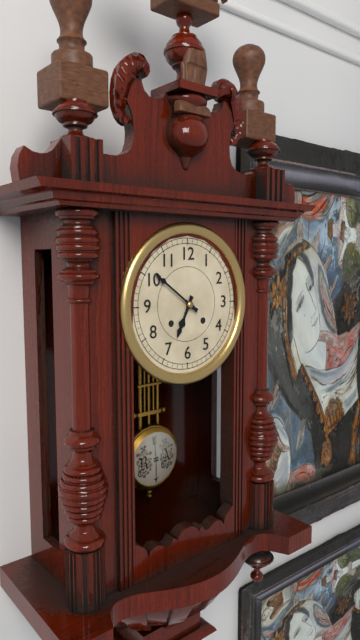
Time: 6h51
